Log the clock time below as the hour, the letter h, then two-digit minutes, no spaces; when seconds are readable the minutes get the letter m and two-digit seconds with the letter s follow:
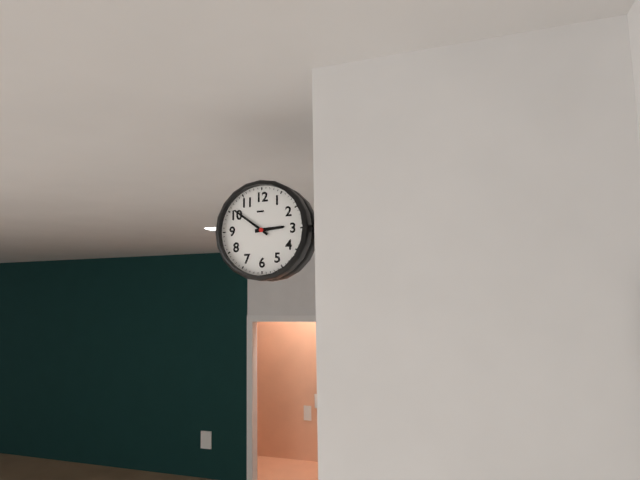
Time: 2h51
